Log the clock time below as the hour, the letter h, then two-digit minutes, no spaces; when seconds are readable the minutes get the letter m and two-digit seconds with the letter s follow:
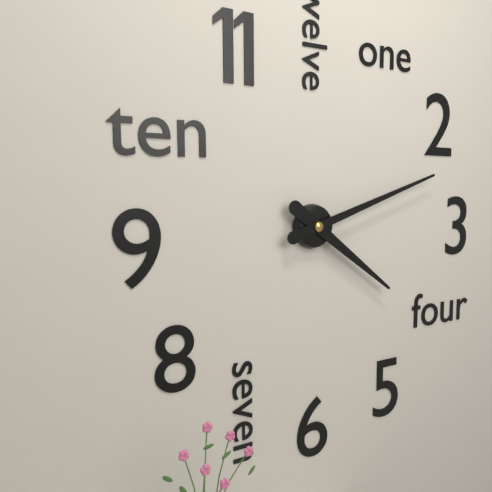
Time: 4h12
